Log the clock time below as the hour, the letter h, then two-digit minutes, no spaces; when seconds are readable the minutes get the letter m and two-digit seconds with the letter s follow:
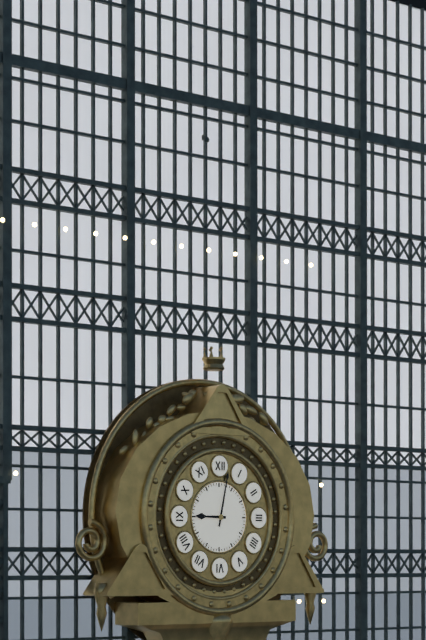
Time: 9h02
